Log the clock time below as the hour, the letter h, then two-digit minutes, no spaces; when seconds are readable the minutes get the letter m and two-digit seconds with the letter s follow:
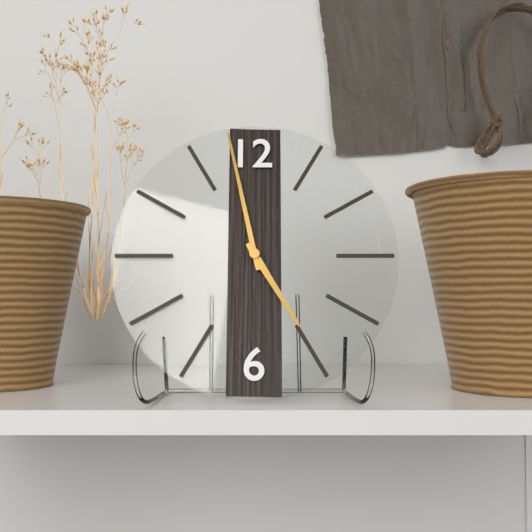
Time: 4h58
